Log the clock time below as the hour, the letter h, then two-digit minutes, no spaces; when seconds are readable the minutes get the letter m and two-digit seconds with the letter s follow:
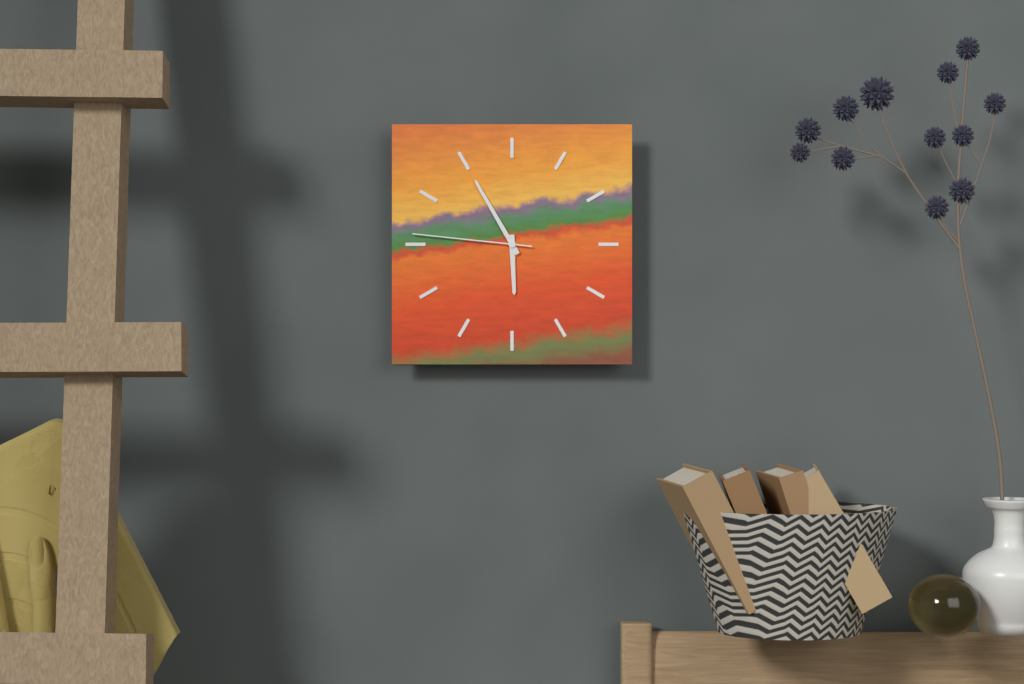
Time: 5h55m46s
